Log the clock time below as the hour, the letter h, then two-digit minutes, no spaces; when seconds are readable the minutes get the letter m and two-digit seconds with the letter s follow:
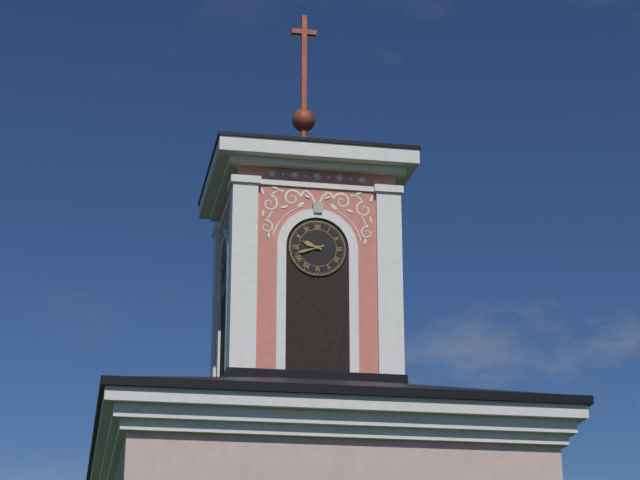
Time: 9h42
